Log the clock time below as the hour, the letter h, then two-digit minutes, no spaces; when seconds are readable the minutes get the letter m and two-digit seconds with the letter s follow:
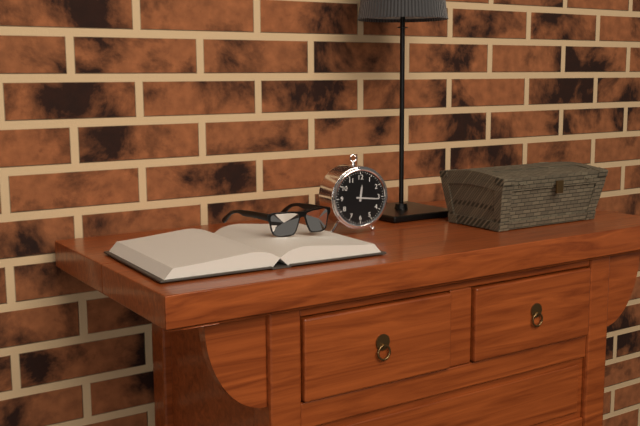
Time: 12h16
